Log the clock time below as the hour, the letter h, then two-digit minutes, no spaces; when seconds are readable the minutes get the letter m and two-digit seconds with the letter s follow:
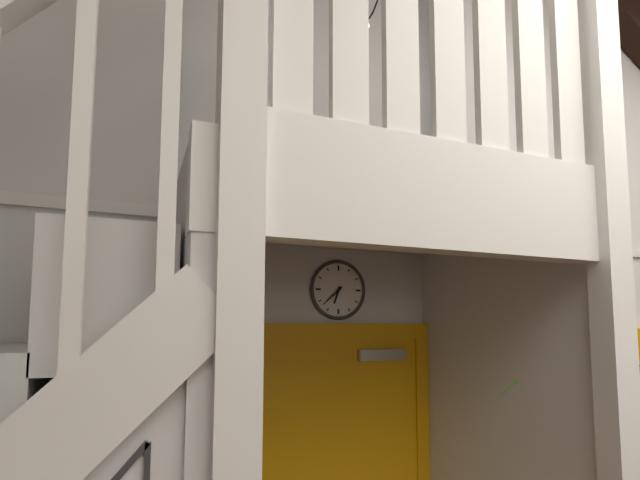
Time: 6h38
